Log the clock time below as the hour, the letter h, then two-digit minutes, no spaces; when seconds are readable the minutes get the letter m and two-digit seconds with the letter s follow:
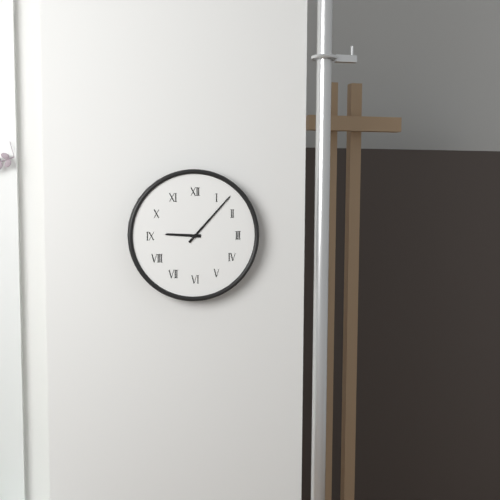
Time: 9h07
